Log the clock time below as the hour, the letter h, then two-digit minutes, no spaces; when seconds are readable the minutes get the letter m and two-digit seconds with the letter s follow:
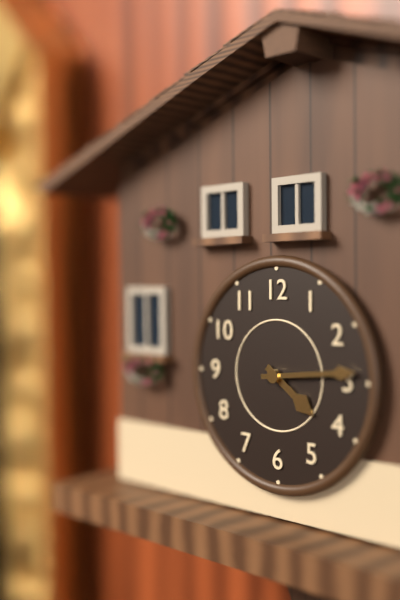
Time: 4h14
